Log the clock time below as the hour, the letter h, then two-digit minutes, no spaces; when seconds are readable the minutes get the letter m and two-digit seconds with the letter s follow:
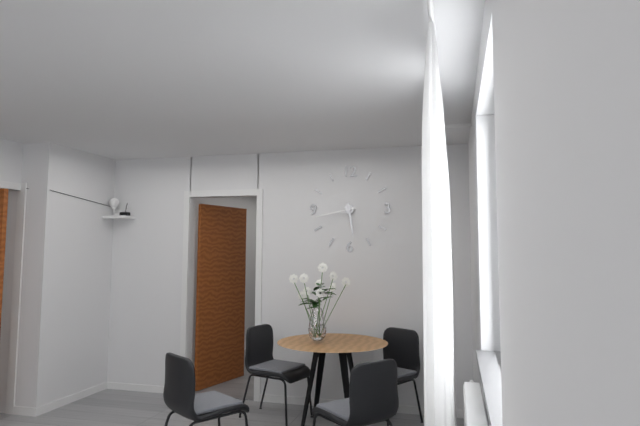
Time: 5h43
